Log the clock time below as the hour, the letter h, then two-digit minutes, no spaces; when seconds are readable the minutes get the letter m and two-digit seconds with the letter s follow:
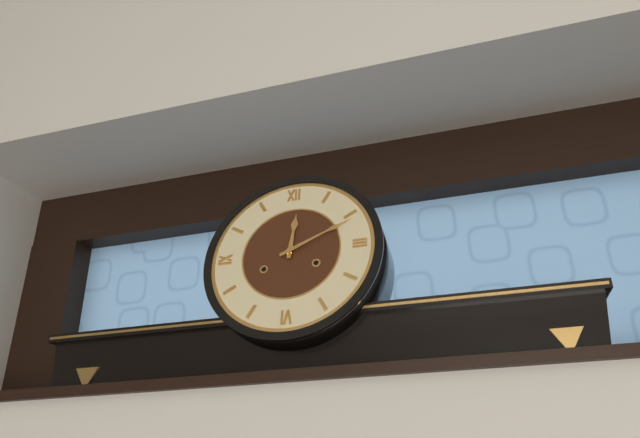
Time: 12h11
